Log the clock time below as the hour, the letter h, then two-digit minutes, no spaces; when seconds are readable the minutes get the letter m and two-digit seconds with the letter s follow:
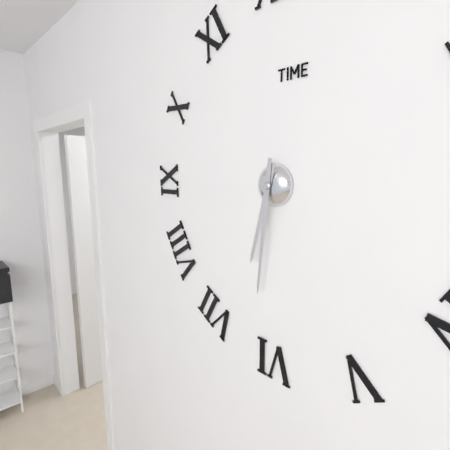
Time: 6h31
